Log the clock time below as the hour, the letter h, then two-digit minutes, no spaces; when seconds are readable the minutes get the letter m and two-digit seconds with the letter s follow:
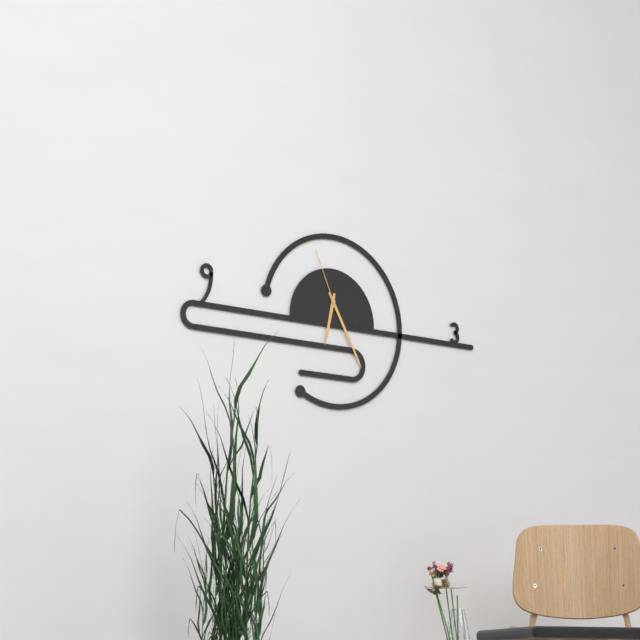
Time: 6h25m56s
